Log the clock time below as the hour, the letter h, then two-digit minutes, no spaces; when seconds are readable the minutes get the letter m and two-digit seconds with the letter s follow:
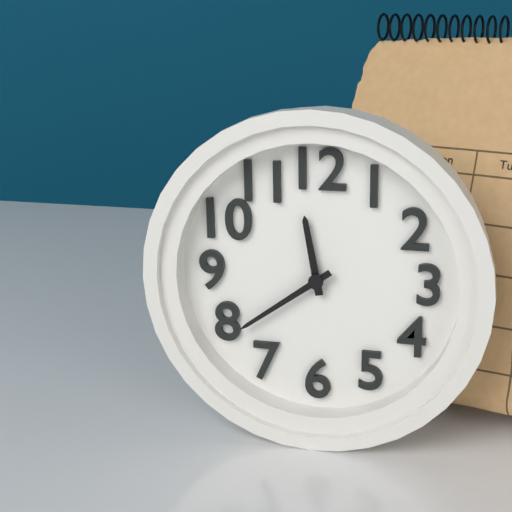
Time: 11h39
